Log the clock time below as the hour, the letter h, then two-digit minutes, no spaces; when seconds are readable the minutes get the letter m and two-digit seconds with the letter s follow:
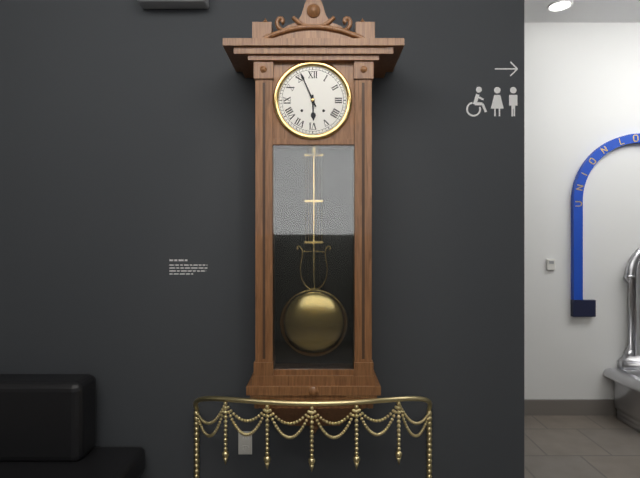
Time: 5h56
